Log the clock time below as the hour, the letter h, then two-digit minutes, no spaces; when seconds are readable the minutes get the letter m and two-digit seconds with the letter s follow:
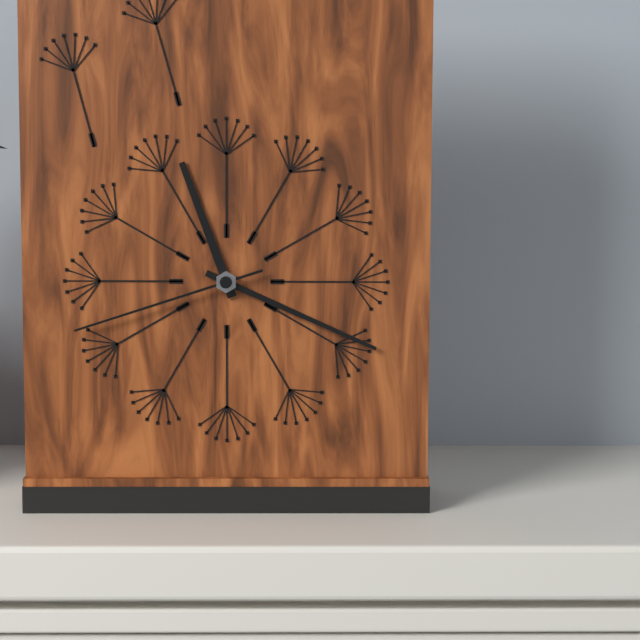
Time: 11h19m42s
